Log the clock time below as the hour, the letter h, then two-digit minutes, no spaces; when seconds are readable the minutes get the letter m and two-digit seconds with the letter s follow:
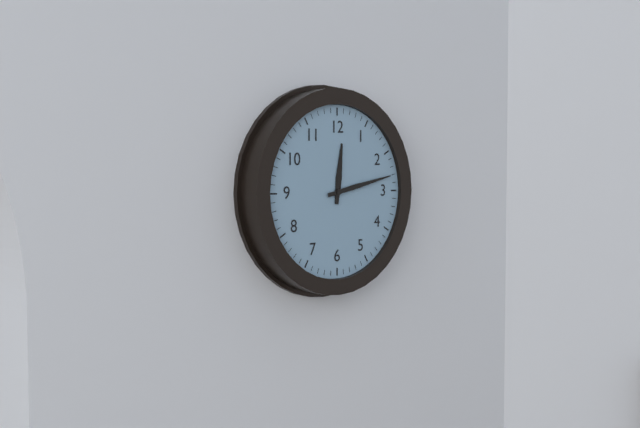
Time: 12h13
